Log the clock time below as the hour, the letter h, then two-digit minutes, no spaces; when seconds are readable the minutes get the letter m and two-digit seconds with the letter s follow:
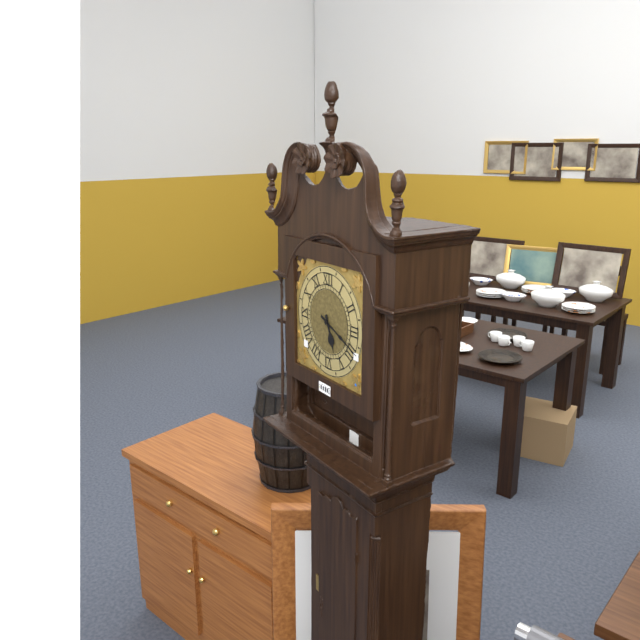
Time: 5h19
